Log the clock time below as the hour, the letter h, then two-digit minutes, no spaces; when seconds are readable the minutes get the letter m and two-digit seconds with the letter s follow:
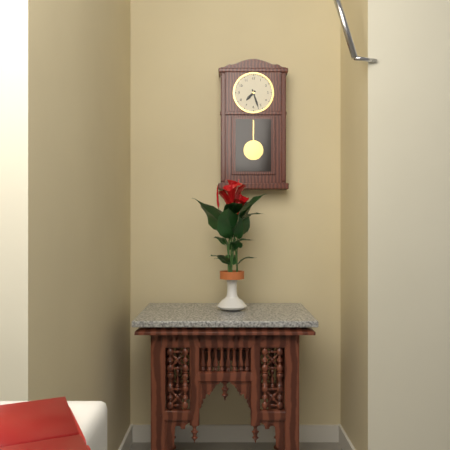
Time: 7h27
